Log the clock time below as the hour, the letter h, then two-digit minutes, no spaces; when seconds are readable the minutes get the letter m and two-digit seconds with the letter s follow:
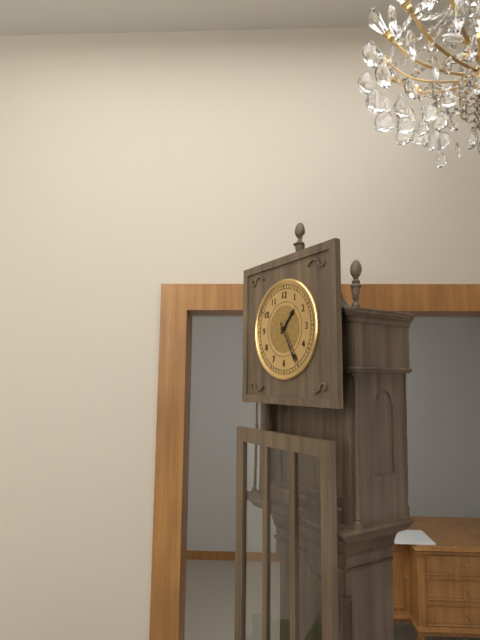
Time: 1h25
